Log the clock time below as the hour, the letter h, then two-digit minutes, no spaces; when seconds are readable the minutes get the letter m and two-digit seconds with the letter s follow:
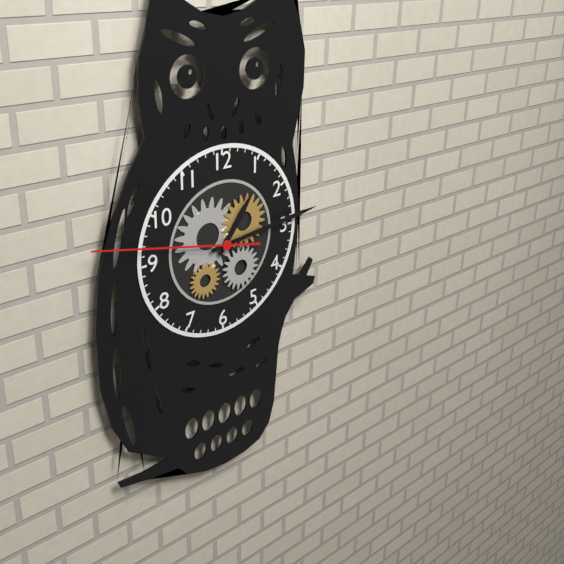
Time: 1h14m47s
